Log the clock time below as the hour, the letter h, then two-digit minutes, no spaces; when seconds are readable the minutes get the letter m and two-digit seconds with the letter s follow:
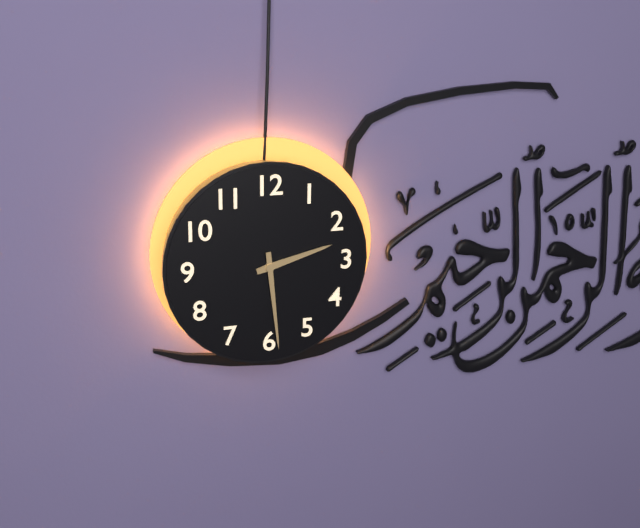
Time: 2h29
